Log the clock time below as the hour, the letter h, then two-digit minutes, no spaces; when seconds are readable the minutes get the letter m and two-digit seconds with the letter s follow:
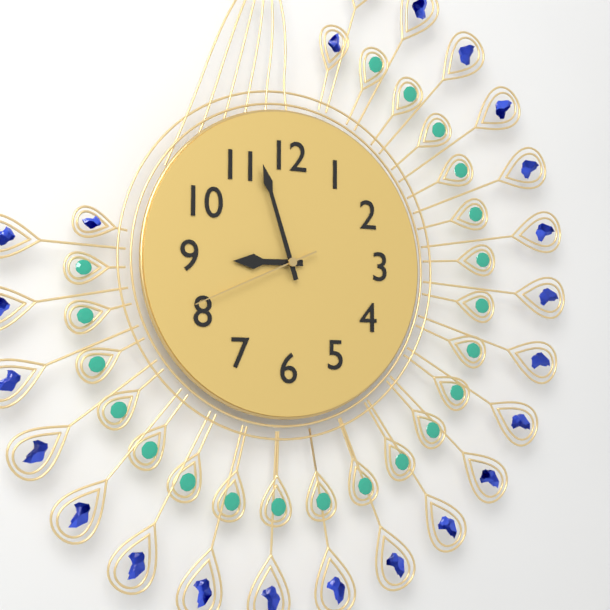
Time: 8h57m41s
